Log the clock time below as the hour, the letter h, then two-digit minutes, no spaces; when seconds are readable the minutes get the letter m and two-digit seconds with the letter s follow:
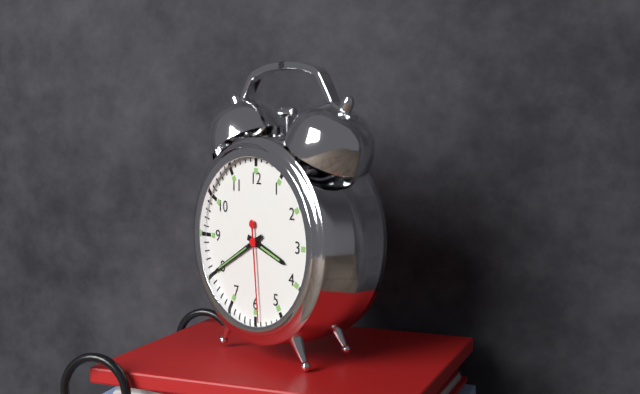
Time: 3h40m29s
